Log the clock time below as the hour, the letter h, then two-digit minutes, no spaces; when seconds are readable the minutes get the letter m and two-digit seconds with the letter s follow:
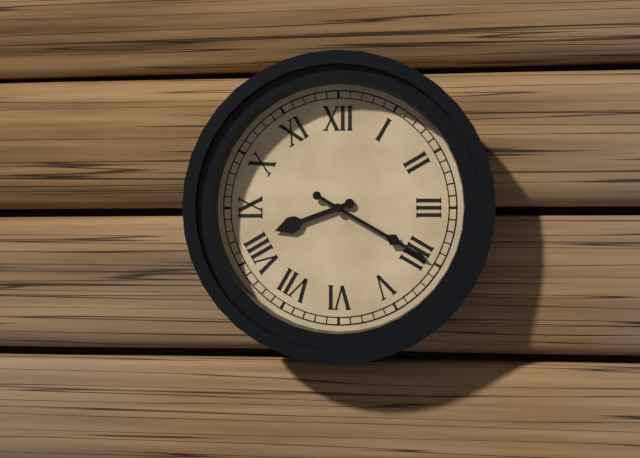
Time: 8h20
